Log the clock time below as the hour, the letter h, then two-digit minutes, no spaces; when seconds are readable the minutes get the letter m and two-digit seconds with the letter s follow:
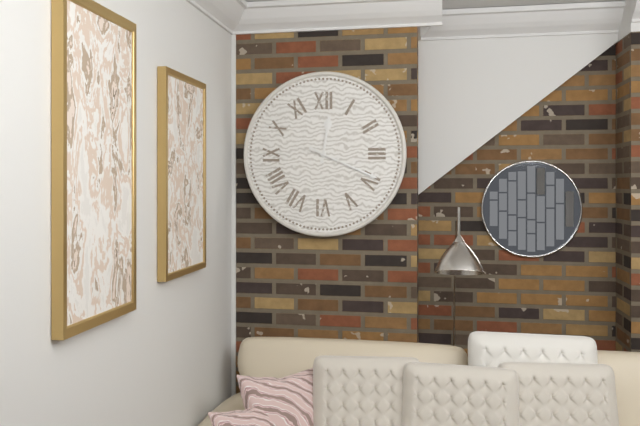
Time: 12h19
